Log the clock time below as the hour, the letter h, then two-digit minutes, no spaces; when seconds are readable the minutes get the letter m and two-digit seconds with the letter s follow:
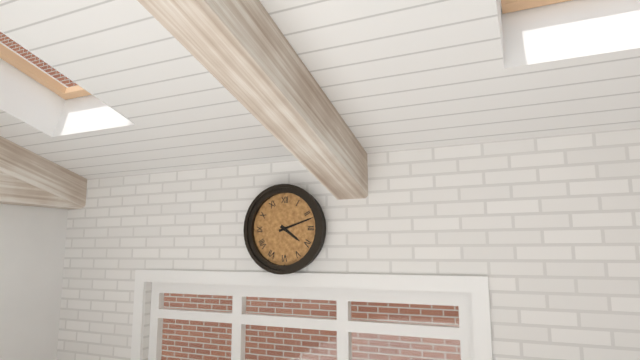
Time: 4h12
